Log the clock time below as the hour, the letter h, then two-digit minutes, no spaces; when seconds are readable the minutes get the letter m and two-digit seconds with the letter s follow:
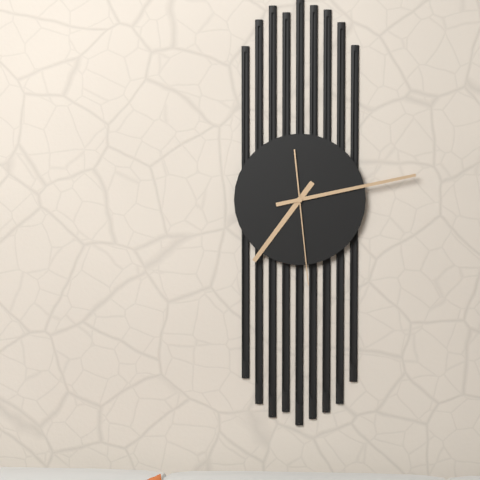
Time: 7h13m29s
